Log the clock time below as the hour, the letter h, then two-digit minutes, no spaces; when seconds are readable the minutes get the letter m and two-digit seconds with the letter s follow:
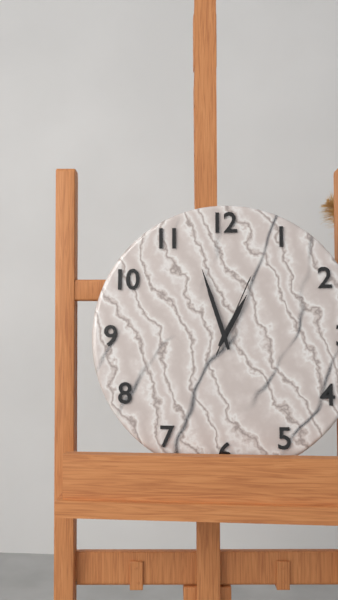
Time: 12h57m04s
